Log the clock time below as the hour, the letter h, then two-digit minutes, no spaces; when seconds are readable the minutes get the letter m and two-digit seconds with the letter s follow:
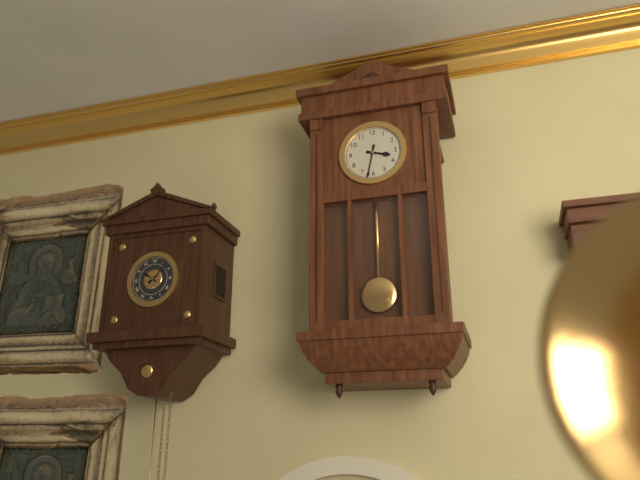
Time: 3h32
